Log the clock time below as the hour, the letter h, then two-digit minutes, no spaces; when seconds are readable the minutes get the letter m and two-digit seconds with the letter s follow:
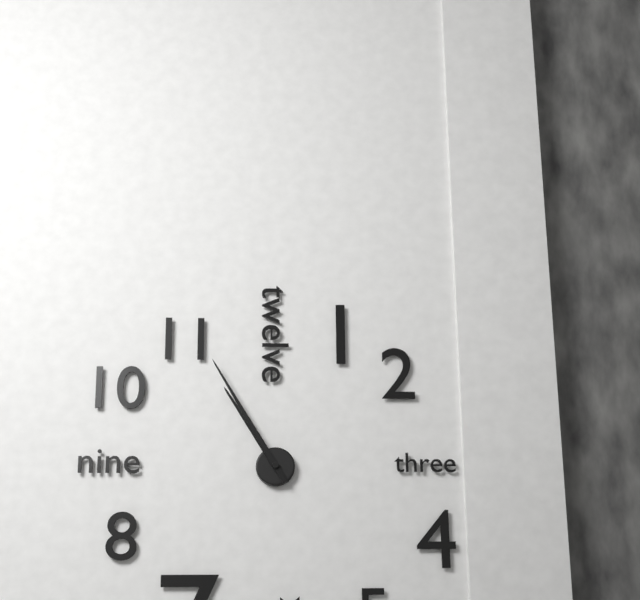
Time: 10h55
